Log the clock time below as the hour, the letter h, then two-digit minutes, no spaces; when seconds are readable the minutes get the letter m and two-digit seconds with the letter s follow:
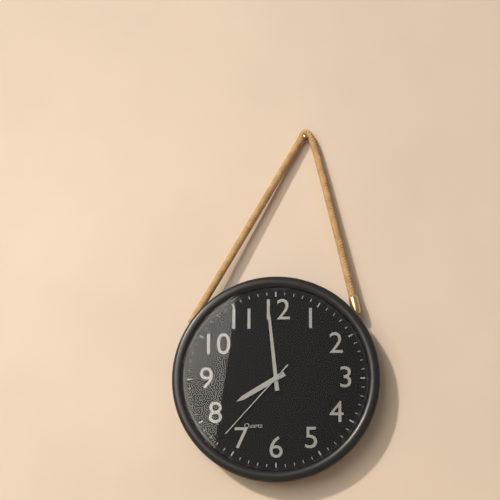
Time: 7h59m37s
